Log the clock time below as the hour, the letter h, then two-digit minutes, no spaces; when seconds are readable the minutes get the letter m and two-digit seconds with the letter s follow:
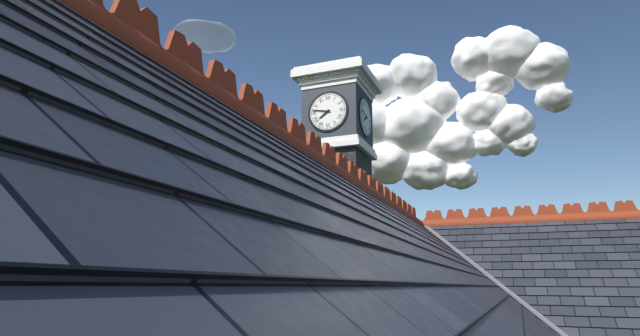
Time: 7h47
